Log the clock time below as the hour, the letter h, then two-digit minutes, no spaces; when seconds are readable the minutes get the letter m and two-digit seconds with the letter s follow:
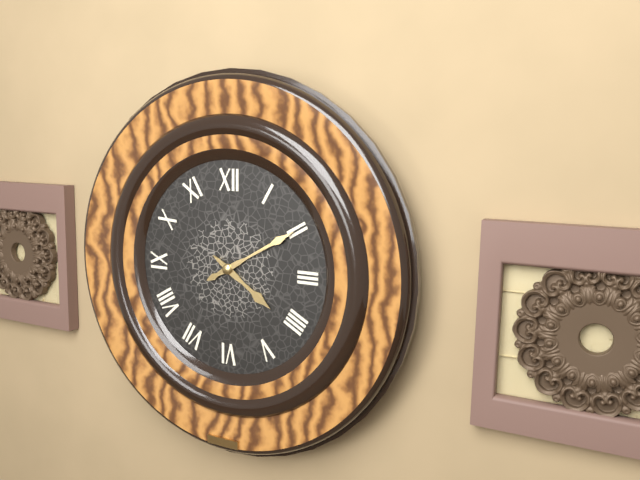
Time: 4h10
